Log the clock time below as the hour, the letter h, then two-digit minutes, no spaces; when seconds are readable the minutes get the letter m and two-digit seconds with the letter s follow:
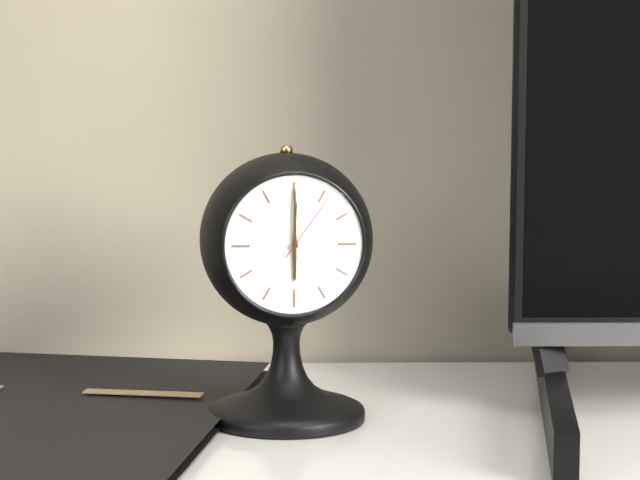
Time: 6h00m06s
